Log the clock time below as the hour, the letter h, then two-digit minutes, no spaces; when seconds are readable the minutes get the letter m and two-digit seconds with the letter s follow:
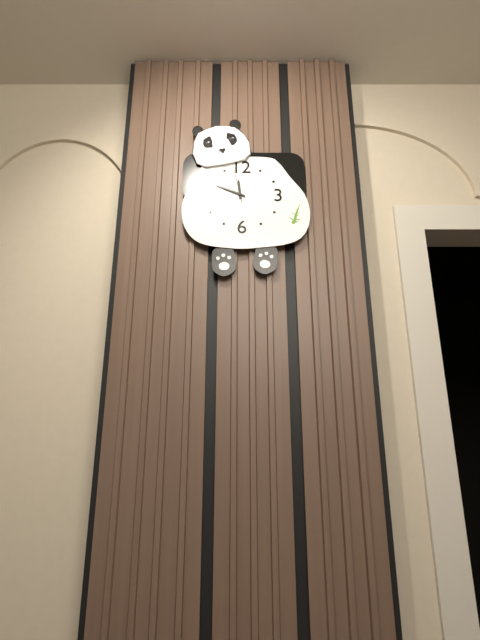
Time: 11h49
